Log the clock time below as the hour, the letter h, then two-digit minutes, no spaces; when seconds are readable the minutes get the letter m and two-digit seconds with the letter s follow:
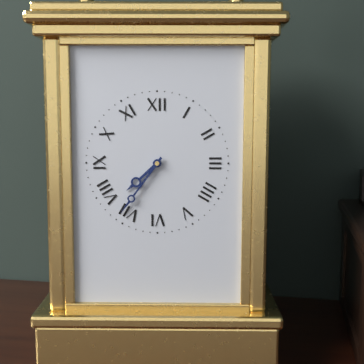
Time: 7h36
